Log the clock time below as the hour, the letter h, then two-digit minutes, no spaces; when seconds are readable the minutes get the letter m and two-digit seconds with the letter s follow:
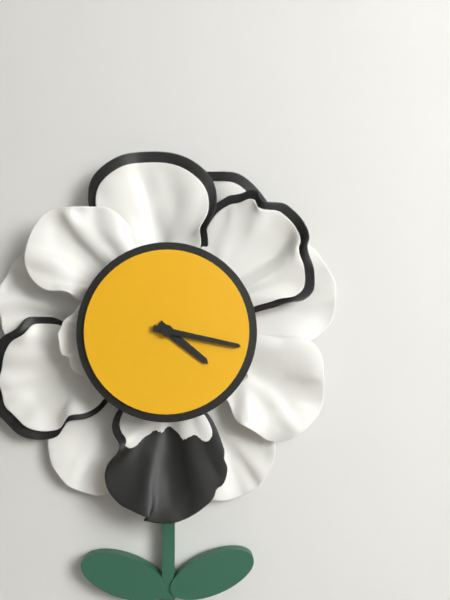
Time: 4h17
